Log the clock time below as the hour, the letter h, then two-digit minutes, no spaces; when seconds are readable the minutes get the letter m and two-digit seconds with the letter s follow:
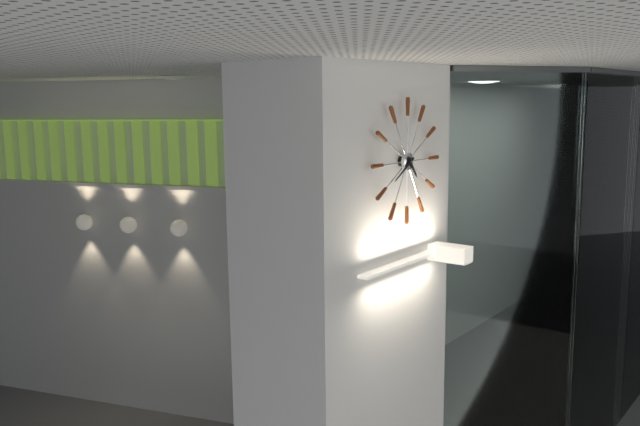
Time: 4h40
